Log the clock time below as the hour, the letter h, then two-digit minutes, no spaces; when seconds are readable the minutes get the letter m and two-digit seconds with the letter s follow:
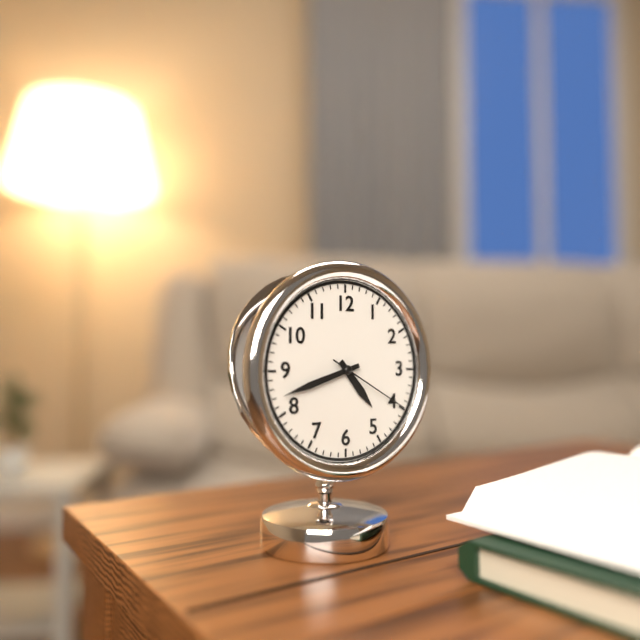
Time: 4h42m20s
